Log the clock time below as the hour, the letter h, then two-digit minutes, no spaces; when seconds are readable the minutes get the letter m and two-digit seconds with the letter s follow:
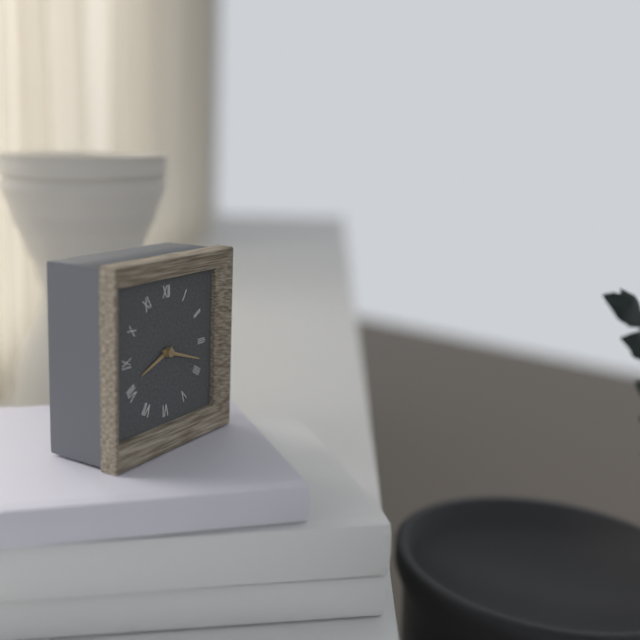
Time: 8h18
